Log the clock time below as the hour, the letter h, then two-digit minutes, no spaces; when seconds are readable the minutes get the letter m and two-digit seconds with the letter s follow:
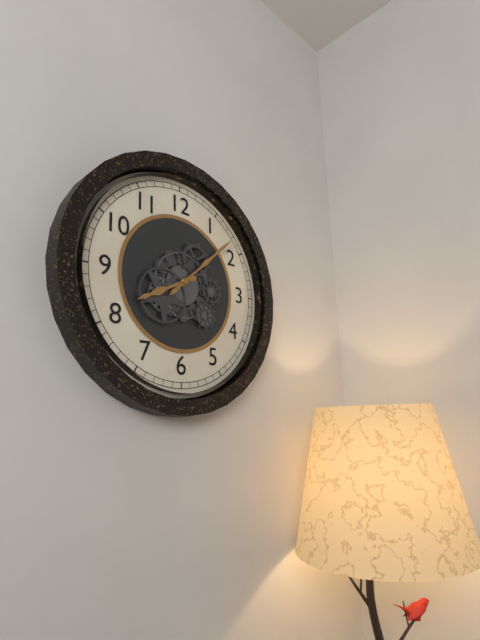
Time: 8h08
